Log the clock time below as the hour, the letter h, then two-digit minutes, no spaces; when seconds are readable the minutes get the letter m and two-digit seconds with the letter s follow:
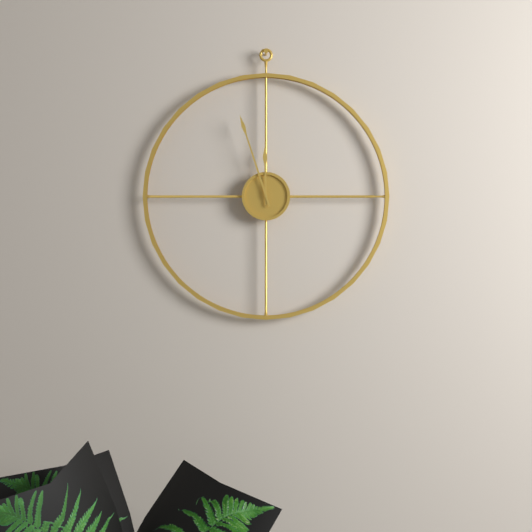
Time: 11h57
